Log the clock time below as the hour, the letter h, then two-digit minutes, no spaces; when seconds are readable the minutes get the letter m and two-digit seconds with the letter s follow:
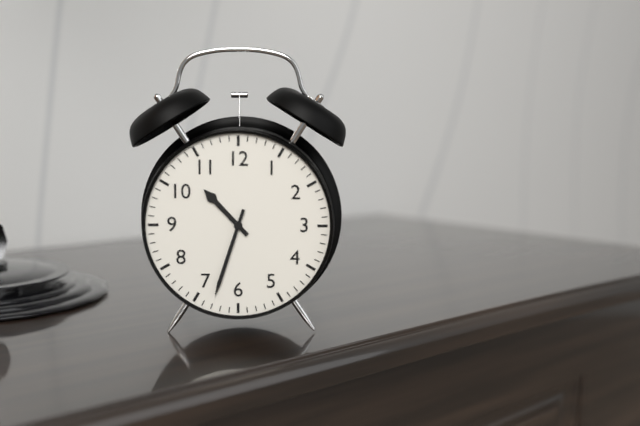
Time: 10h33
